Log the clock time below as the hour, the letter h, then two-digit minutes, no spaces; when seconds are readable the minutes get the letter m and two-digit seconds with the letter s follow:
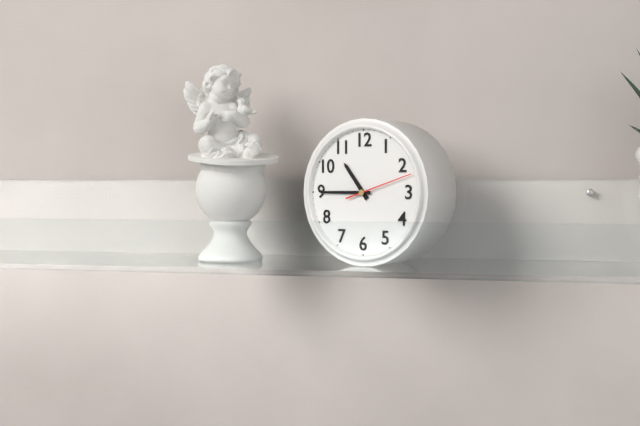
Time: 10h45m12s
